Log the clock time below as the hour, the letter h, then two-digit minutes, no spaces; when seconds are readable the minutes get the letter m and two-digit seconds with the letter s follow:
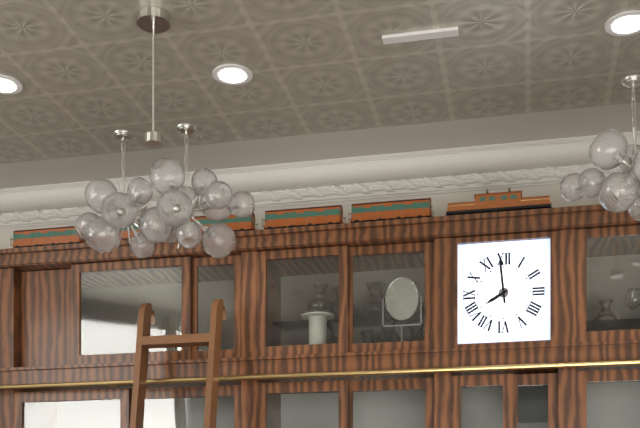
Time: 7h59
